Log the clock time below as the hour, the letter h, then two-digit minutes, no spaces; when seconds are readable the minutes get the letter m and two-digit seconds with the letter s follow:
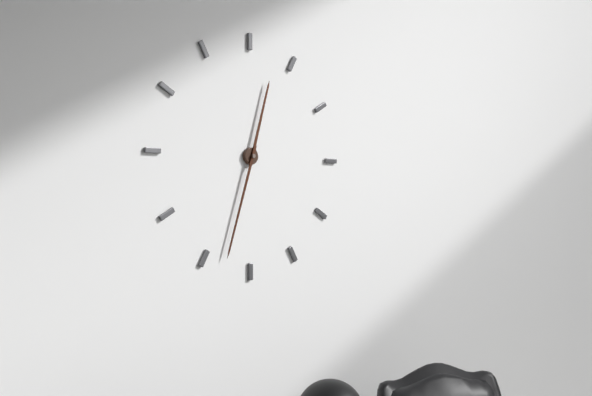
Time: 12h33
